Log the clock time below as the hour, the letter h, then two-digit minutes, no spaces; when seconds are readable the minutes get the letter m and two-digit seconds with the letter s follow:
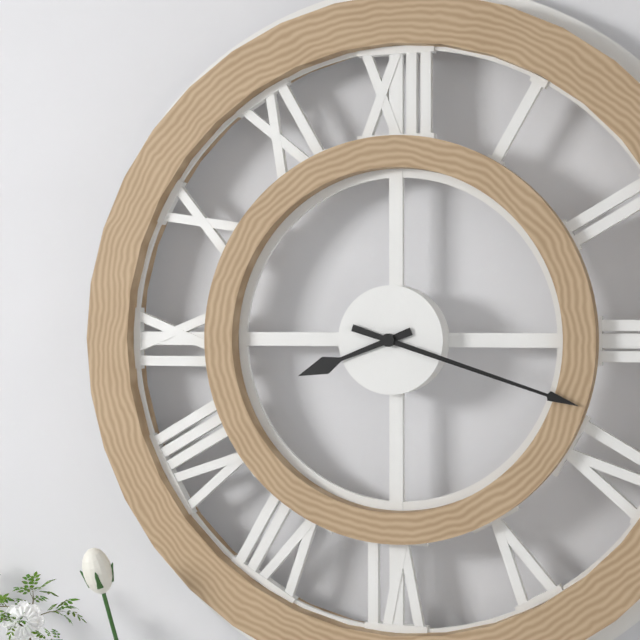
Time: 8h18
